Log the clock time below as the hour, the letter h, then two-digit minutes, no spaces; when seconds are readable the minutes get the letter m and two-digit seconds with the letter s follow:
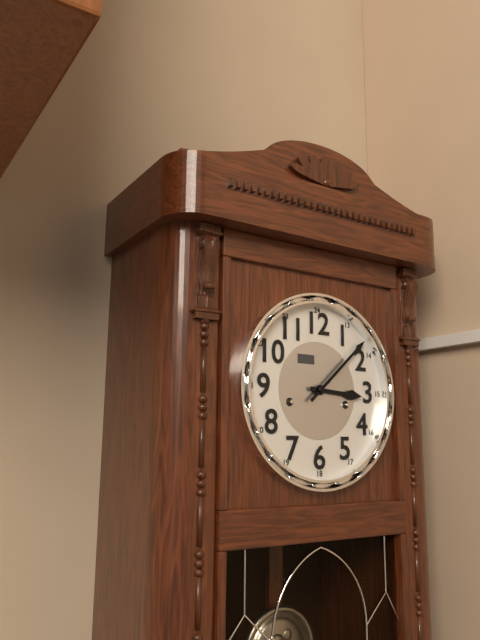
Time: 3h08
